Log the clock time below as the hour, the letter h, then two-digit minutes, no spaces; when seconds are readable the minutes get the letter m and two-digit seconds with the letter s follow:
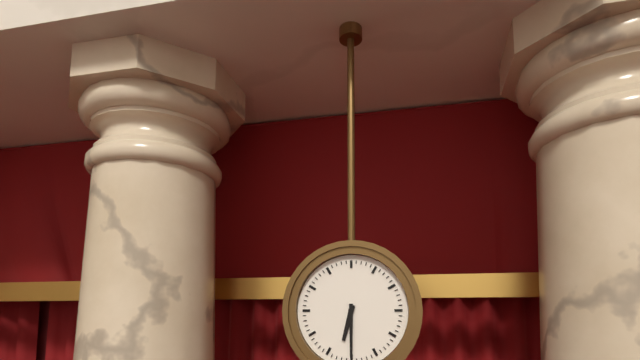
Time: 6h30
